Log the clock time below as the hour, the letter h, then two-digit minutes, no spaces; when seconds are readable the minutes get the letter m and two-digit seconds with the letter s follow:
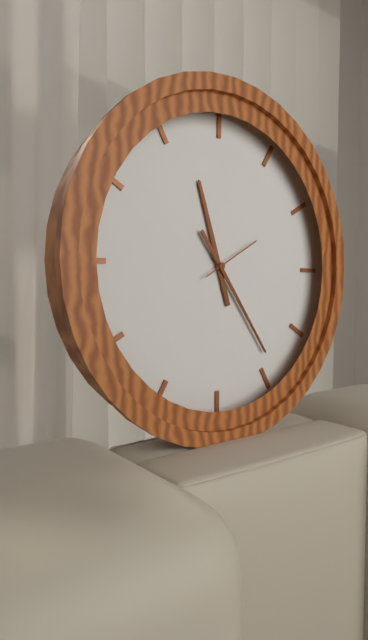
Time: 11h24m10s
